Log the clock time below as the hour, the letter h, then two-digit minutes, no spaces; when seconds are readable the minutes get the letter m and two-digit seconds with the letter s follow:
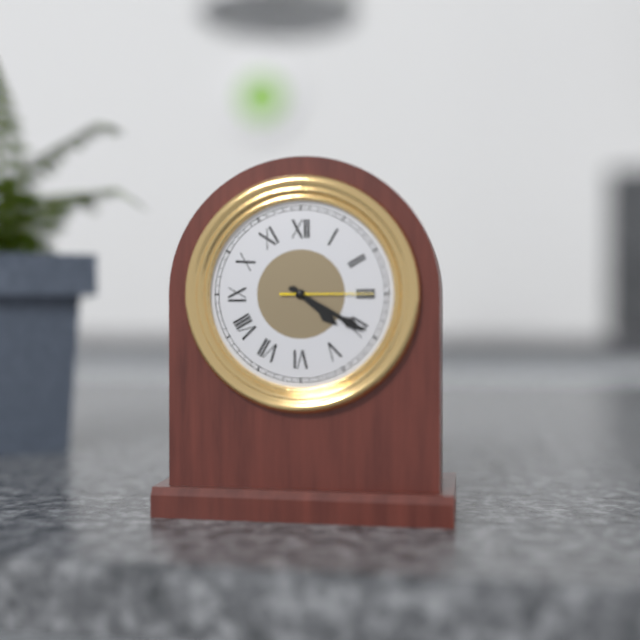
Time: 4h20m15s
